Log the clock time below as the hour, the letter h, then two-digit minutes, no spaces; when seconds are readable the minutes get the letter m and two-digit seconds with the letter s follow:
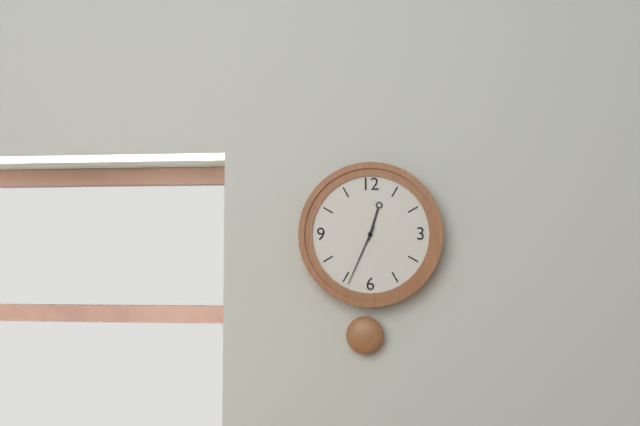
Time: 12h34
